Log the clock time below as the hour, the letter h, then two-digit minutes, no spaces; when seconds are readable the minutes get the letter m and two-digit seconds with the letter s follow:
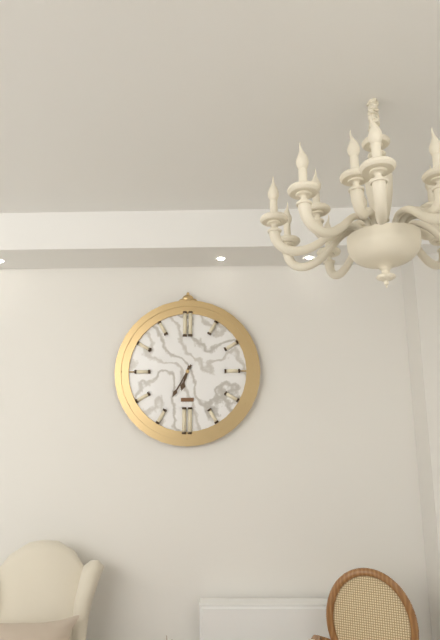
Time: 6h35
